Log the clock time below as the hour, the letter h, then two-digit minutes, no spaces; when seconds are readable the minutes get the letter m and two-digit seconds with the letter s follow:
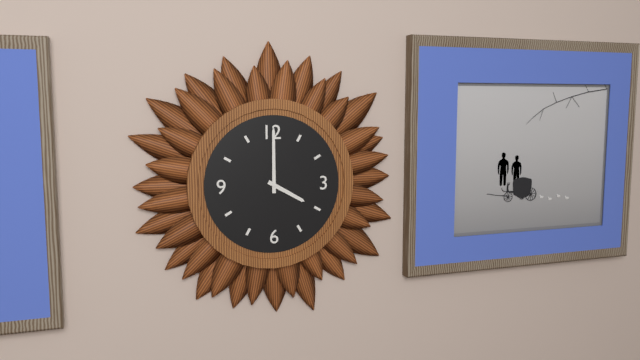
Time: 4h00
